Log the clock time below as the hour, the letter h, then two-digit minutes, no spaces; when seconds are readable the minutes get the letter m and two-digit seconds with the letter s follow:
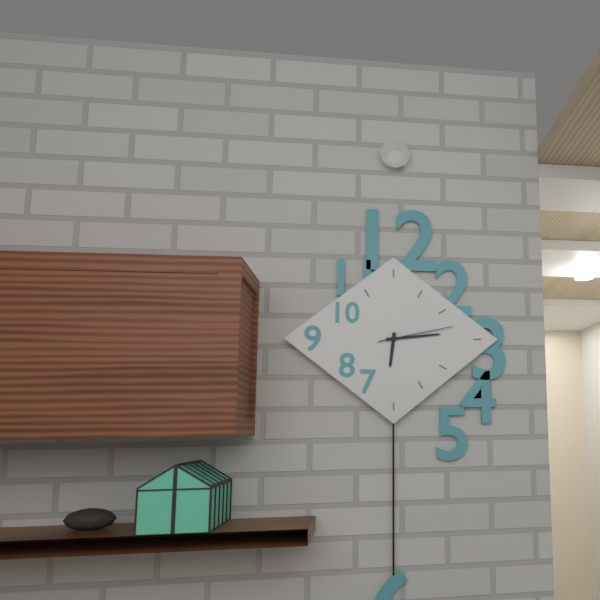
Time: 6h14m13s
